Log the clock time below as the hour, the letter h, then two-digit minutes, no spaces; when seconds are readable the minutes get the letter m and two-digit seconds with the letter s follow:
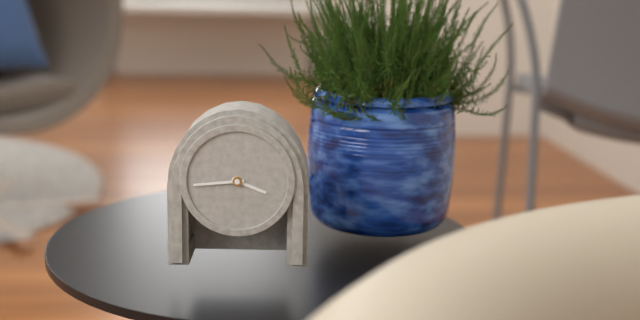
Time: 3h44
